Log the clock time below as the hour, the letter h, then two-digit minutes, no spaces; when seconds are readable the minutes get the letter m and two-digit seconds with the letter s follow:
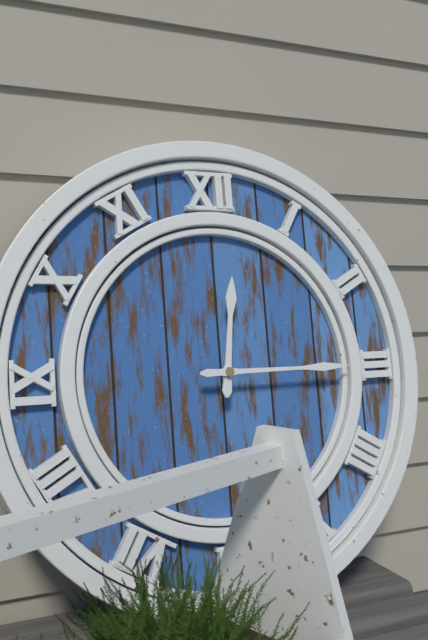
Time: 12h15
